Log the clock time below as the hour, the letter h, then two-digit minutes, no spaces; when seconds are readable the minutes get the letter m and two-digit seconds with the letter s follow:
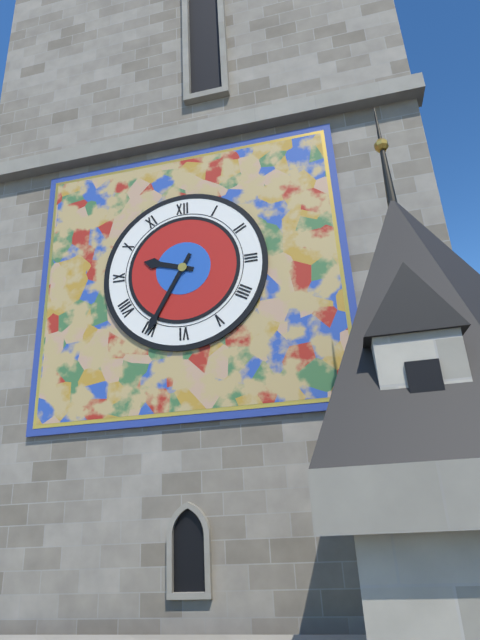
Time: 9h35
